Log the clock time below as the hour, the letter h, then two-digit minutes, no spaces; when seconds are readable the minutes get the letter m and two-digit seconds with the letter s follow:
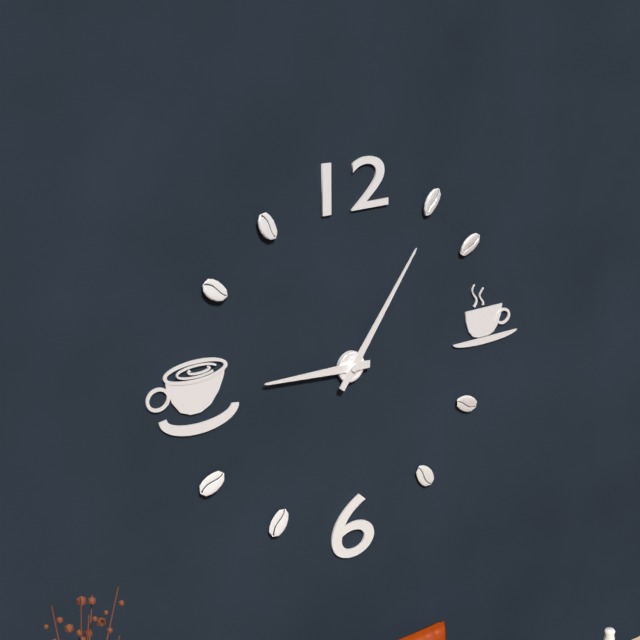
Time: 9h06
